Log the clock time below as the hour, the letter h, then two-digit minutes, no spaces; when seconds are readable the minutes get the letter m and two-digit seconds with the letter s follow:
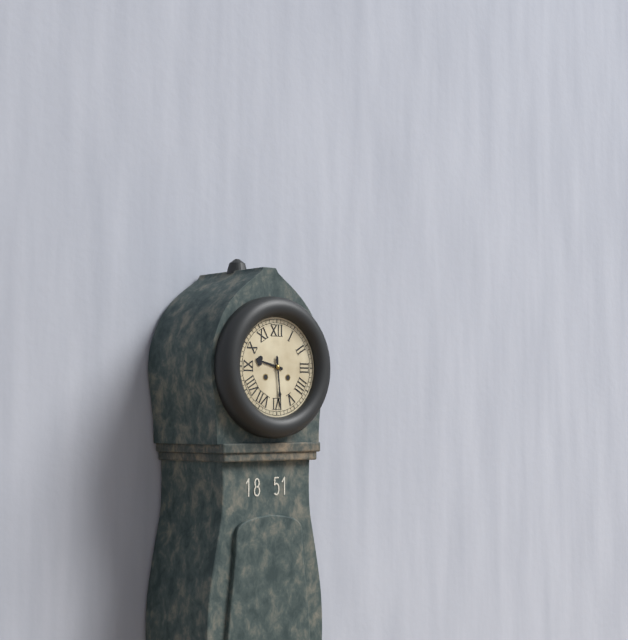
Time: 9h29
